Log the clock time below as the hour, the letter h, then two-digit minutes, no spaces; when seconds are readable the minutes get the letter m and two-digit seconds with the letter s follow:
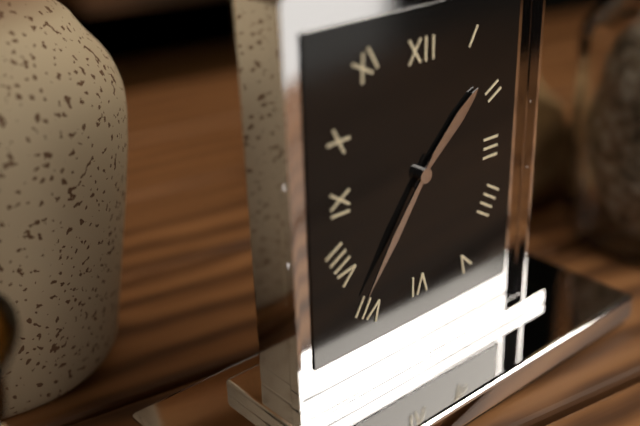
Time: 1h36
